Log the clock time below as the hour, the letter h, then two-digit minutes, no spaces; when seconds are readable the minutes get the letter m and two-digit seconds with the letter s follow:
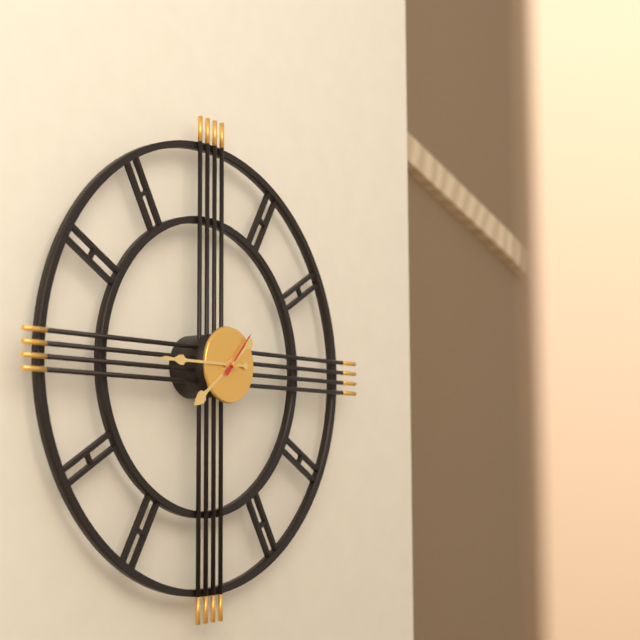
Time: 7h45
